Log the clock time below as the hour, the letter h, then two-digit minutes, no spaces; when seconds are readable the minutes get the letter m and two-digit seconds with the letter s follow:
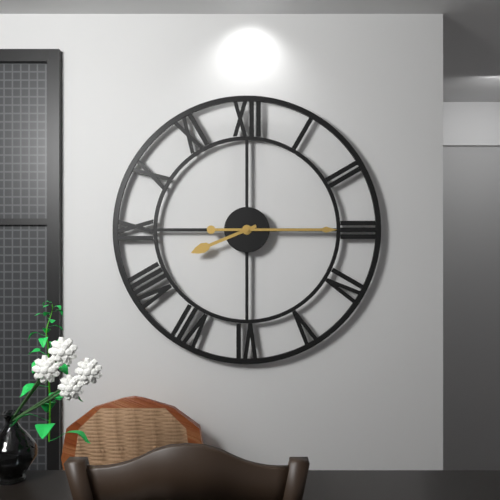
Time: 8h15
